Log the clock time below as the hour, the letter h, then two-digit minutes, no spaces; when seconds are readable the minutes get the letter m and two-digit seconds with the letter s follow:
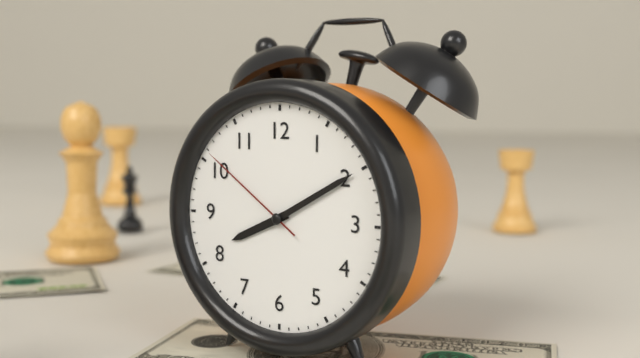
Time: 8h10m51s
